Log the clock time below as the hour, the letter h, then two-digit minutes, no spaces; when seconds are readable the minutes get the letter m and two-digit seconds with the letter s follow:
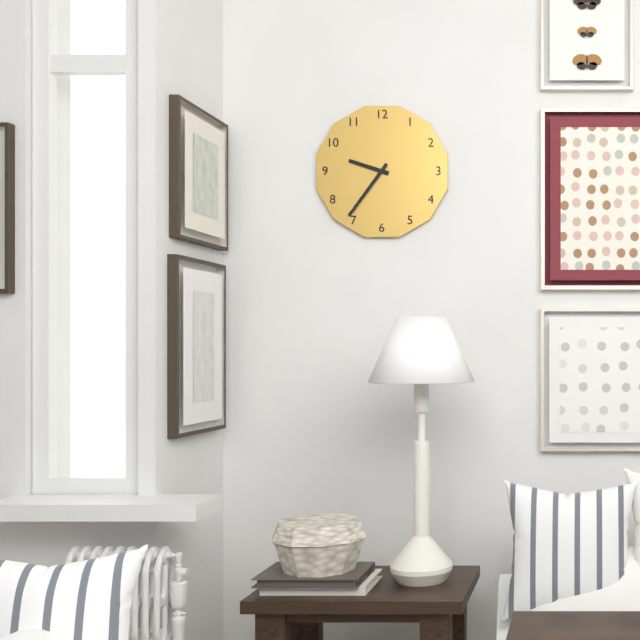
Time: 9h36
